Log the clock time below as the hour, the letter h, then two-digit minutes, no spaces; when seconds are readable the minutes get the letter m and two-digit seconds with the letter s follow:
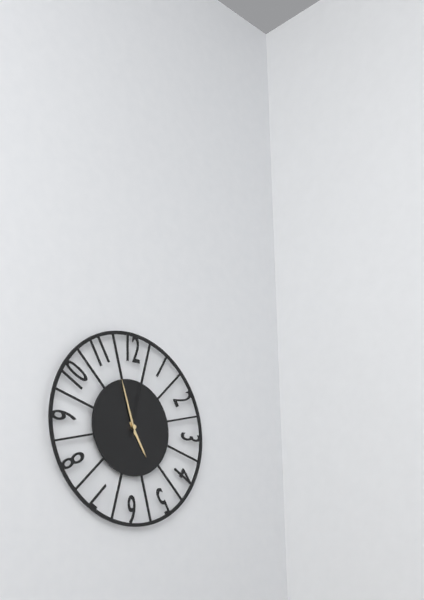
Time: 4h57m02s
